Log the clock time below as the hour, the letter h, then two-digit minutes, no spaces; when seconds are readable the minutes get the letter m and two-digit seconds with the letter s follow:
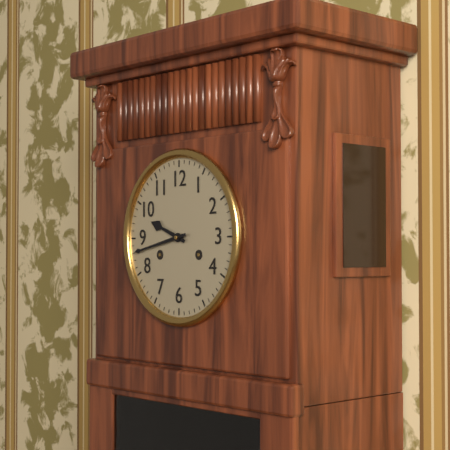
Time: 9h43
